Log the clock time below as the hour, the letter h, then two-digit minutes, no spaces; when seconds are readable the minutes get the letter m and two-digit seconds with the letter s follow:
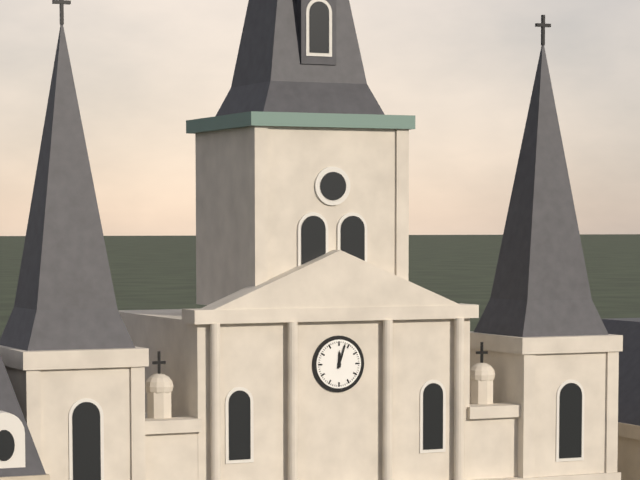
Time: 12h03
